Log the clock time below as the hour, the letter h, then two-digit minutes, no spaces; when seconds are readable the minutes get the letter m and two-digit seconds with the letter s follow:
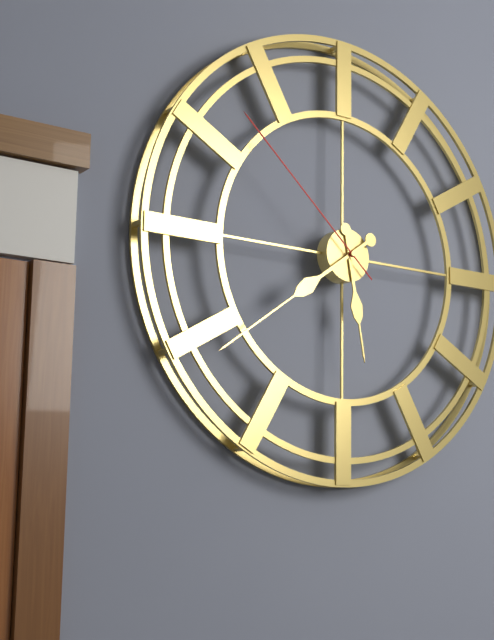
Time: 5h39m52s
